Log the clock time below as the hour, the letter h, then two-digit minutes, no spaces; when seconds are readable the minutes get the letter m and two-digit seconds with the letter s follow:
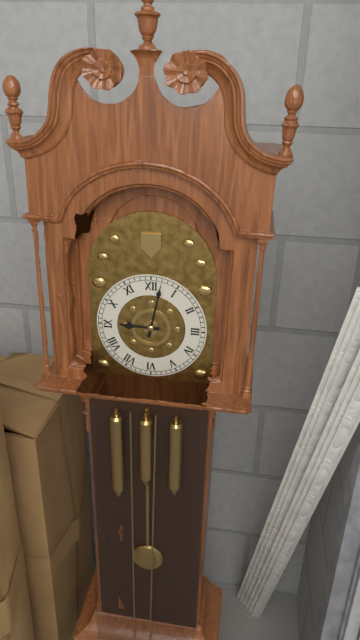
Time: 9h02
